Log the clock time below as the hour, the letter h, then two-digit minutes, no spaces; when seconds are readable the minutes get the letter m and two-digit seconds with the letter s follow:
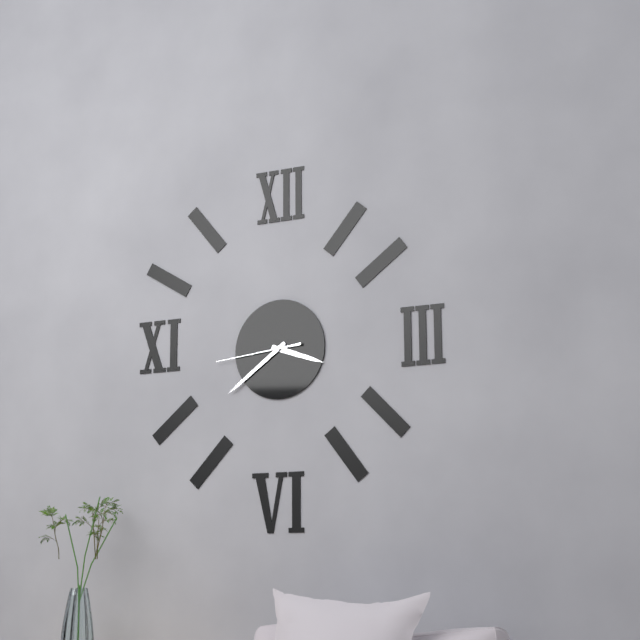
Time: 3h39m44s
